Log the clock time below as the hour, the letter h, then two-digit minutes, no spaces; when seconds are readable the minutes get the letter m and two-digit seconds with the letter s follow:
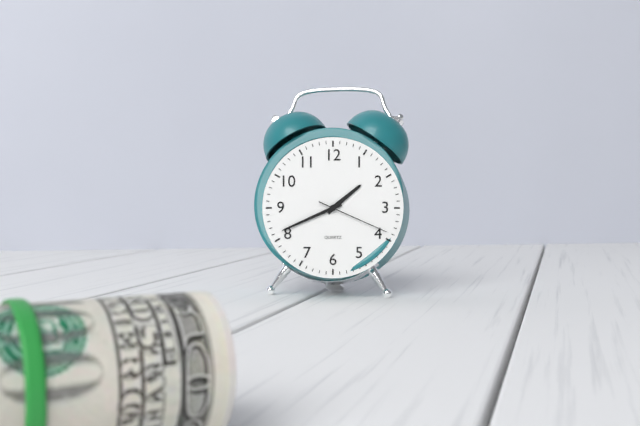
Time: 1h41m19s
